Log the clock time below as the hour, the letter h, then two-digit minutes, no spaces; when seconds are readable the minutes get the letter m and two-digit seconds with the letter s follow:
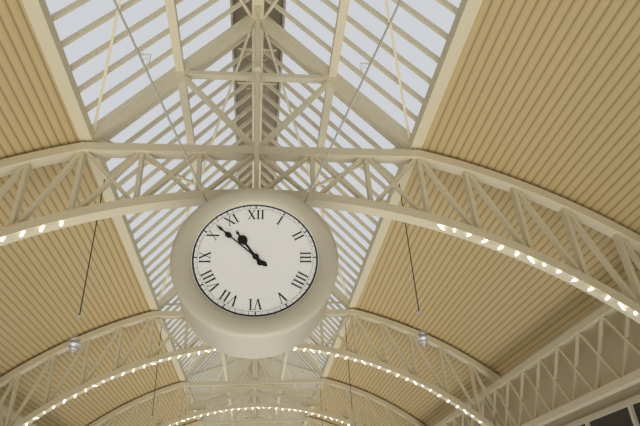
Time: 10h52
